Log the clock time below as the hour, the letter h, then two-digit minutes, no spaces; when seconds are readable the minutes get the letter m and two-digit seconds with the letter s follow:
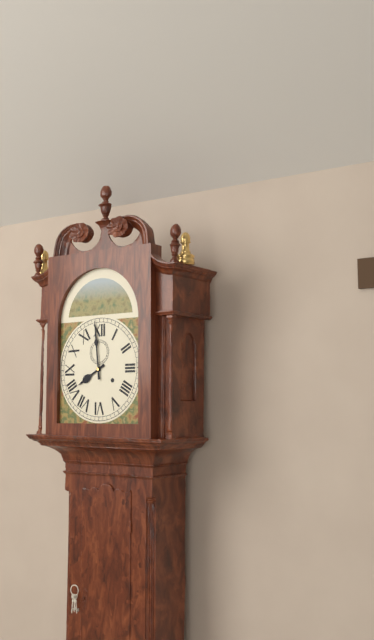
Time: 7h59
